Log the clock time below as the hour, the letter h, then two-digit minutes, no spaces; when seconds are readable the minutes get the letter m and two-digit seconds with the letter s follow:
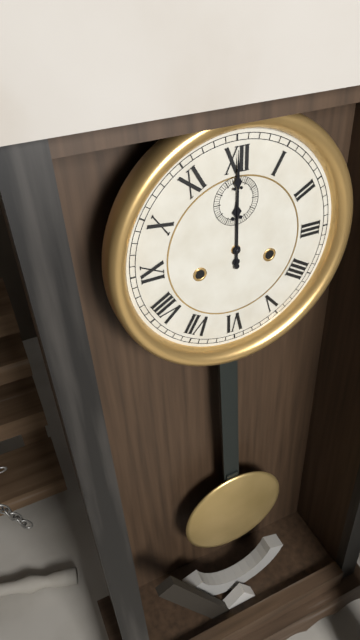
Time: 12h00
